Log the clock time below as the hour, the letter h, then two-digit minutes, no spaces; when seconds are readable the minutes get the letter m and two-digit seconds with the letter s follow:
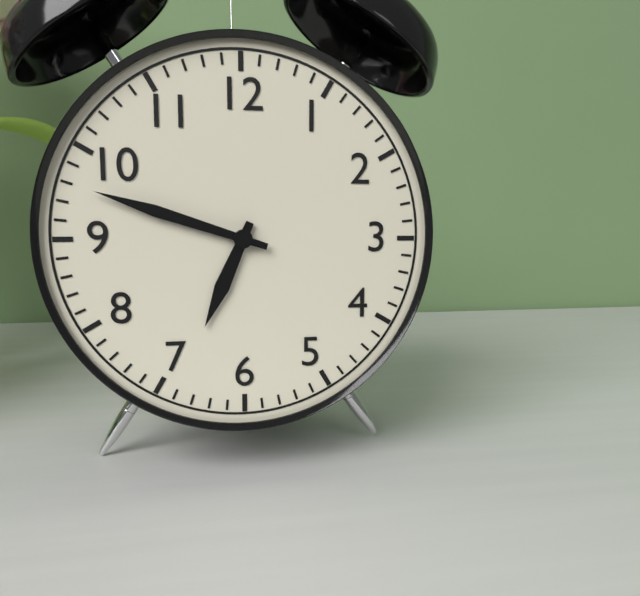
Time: 6h48
